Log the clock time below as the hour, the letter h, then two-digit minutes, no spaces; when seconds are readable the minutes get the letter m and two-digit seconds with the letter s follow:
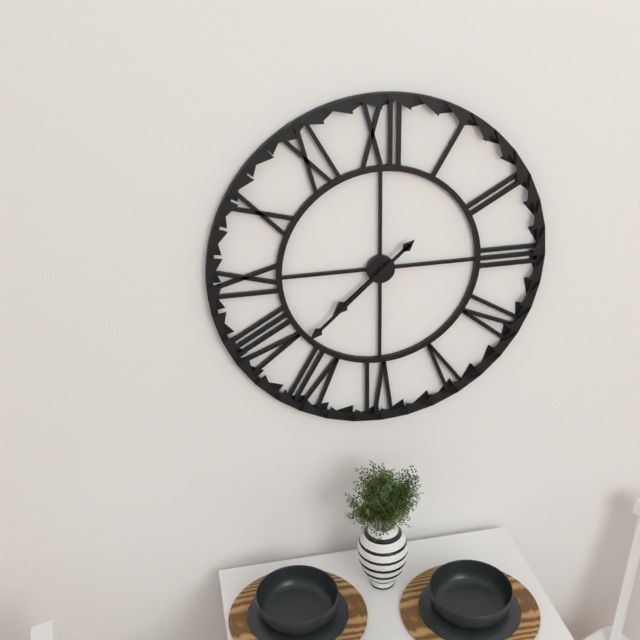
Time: 7h38
